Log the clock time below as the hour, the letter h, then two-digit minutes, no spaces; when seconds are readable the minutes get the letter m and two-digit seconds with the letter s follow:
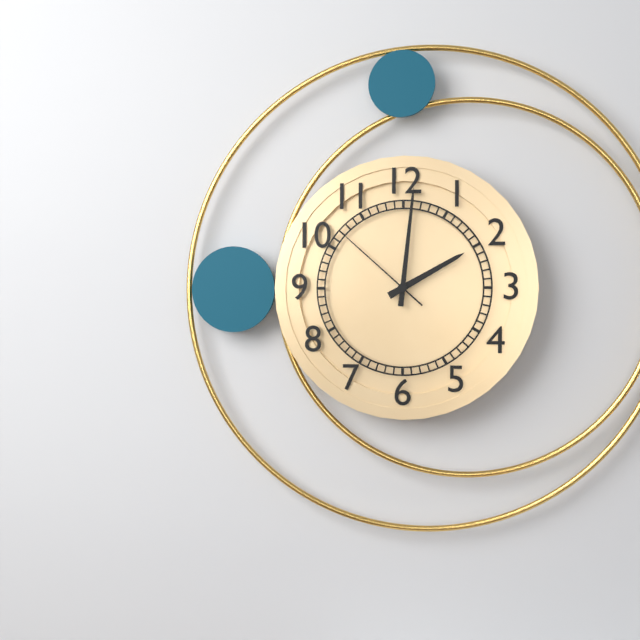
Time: 2h01m52s
